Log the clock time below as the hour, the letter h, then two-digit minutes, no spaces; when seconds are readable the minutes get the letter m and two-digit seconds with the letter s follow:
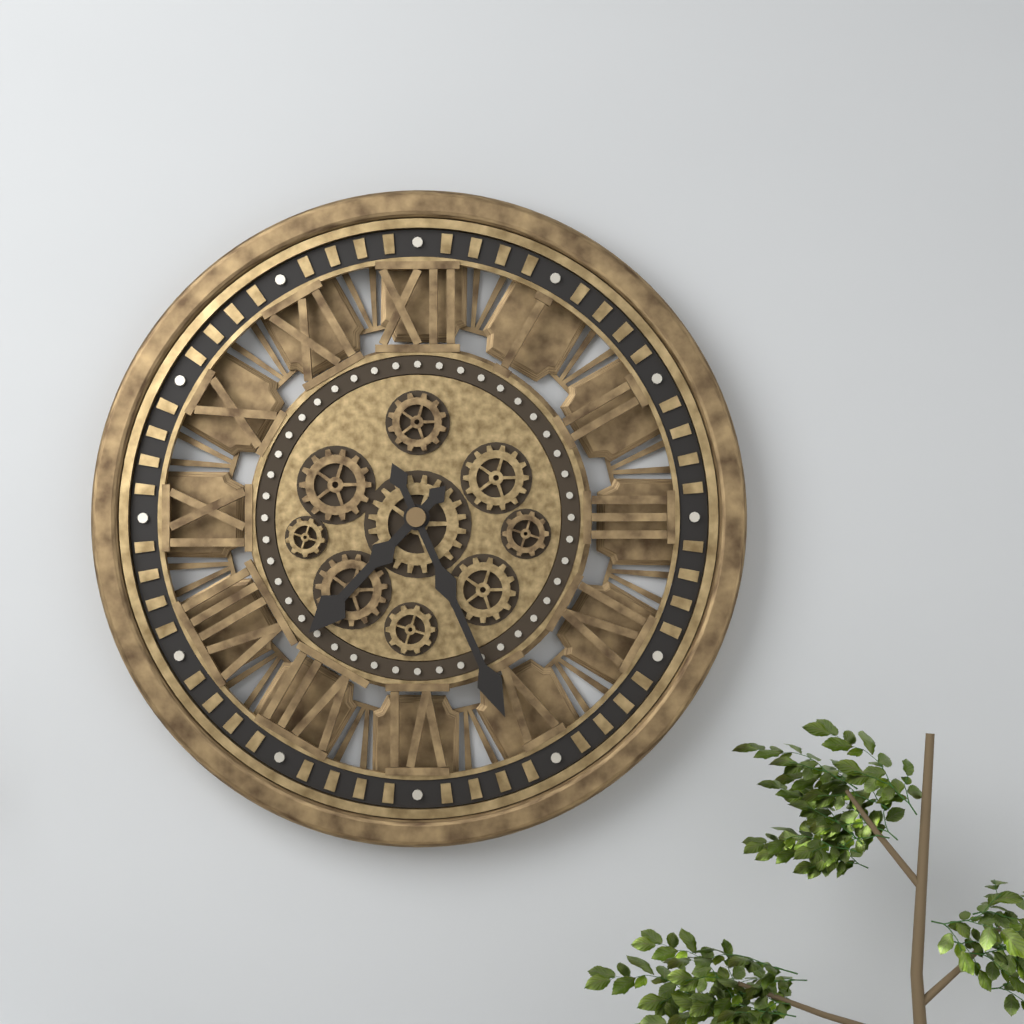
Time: 7h26
